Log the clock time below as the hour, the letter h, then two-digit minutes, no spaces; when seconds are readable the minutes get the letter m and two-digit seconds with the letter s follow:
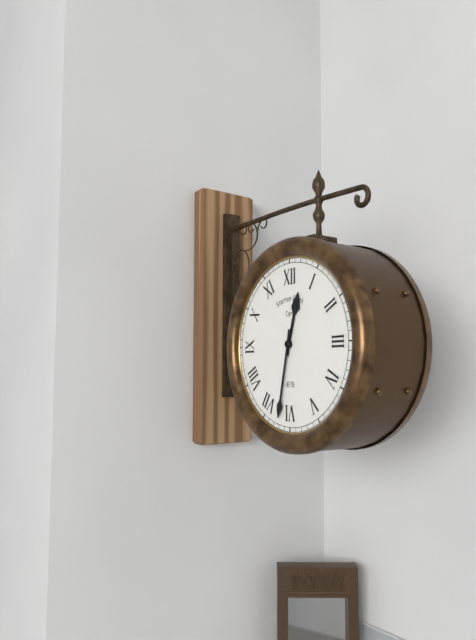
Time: 12h32
